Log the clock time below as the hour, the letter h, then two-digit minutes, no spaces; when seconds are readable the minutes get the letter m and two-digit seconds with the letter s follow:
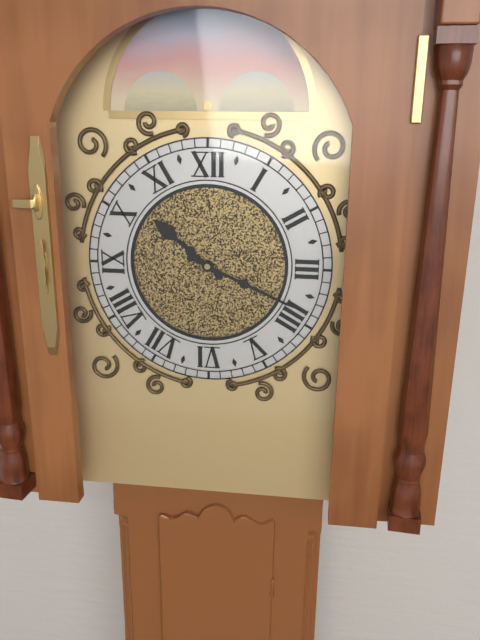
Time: 10h19
